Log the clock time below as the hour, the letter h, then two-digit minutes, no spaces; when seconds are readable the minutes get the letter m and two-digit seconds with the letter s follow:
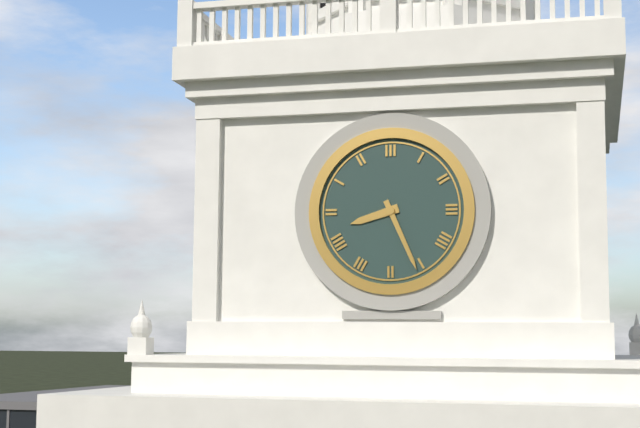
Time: 8h26
